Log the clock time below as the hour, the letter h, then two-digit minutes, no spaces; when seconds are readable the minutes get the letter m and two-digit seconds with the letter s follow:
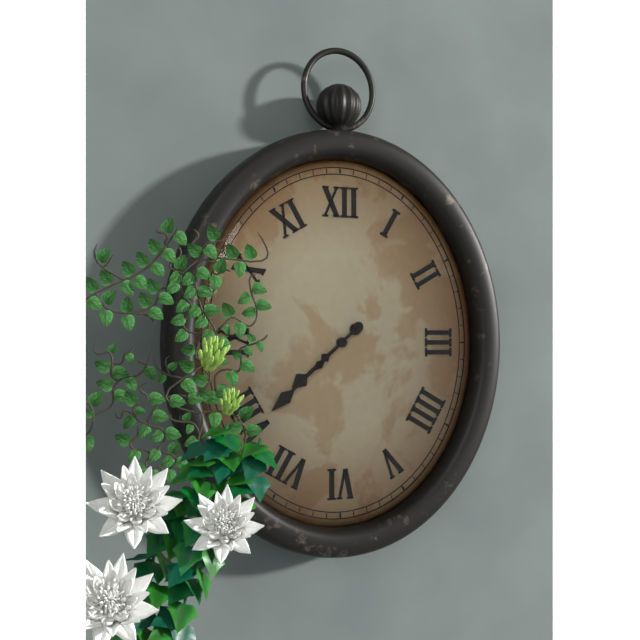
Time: 7h38
